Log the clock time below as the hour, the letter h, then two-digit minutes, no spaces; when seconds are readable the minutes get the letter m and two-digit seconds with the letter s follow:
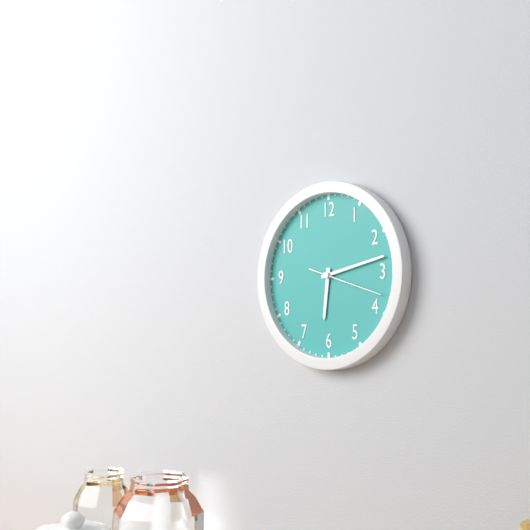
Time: 6h13m18s
